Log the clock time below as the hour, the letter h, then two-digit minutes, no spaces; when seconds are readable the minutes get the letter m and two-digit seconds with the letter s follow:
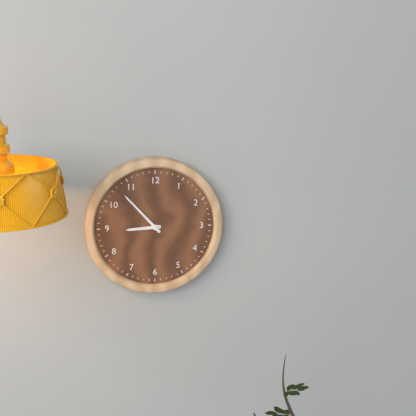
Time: 8h53
